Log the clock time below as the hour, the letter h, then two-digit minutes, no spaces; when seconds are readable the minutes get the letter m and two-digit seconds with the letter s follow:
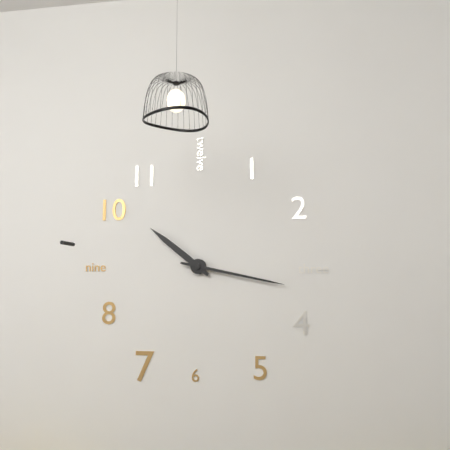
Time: 10h17
